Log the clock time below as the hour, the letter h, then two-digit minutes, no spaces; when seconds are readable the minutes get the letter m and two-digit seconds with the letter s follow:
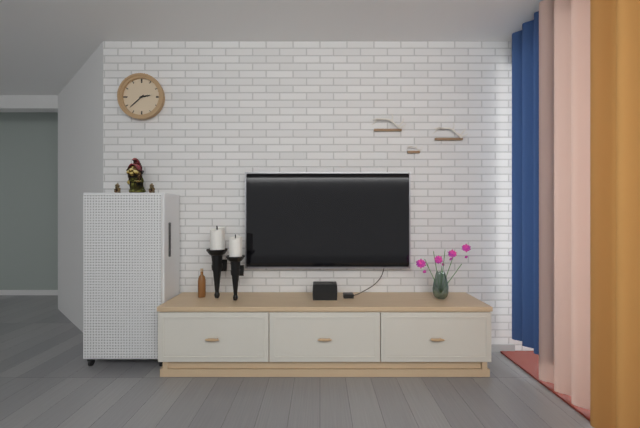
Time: 2h38
